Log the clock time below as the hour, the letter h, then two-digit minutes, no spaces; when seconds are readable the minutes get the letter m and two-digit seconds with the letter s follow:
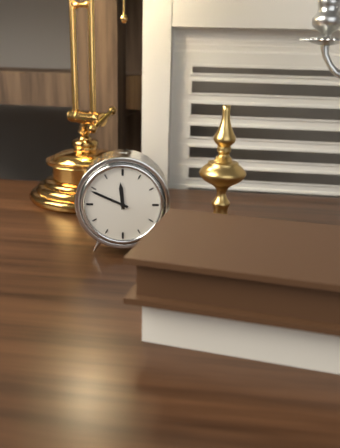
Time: 11h49
